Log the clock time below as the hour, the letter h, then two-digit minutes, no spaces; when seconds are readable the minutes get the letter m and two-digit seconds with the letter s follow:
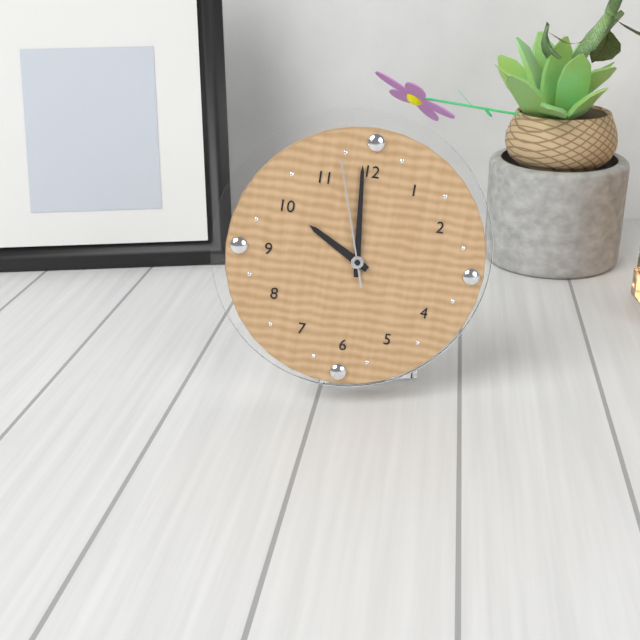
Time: 9h59m57s
